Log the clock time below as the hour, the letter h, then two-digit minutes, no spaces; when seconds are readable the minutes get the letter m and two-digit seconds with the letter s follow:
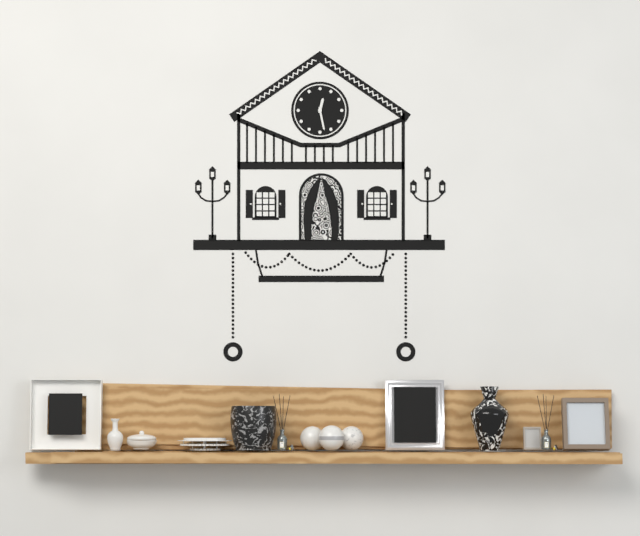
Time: 12h28
